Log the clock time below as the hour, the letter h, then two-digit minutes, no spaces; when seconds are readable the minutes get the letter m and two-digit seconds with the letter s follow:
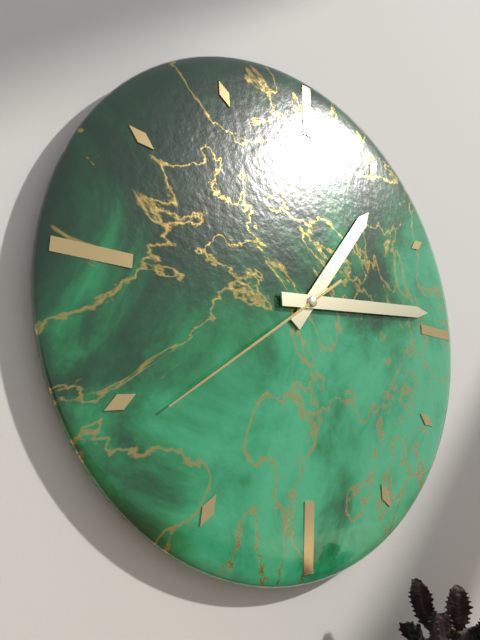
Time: 1h14m39s
